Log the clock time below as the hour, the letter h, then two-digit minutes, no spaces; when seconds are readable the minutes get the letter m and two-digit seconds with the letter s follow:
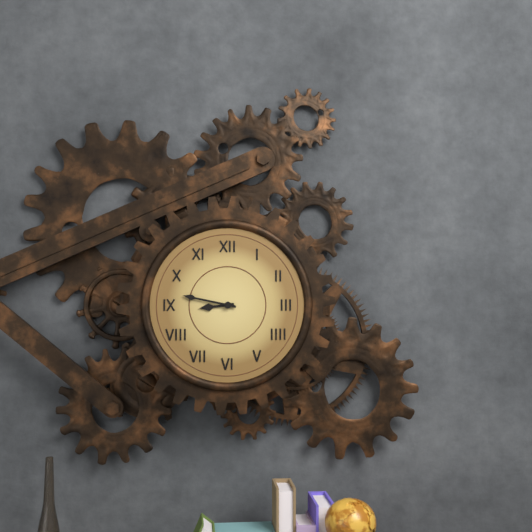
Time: 8h47
